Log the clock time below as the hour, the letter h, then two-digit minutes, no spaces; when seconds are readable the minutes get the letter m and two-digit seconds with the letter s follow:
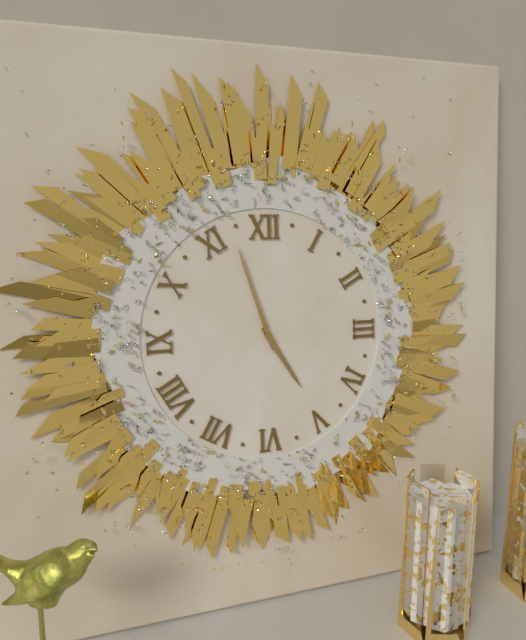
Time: 4h57
